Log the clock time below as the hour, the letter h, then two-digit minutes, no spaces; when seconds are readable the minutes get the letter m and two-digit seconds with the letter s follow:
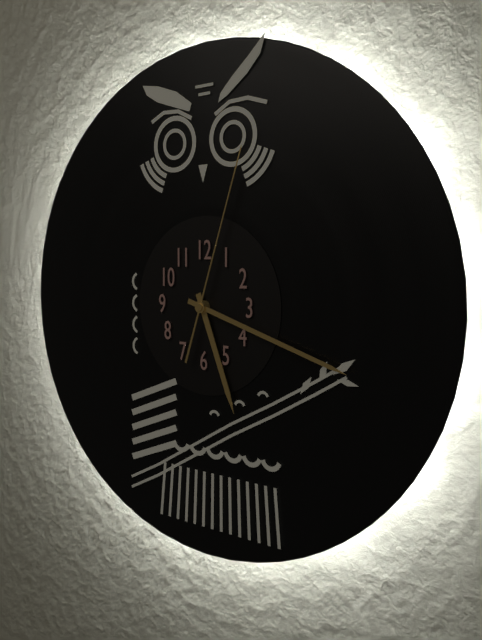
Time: 5h18m03s
